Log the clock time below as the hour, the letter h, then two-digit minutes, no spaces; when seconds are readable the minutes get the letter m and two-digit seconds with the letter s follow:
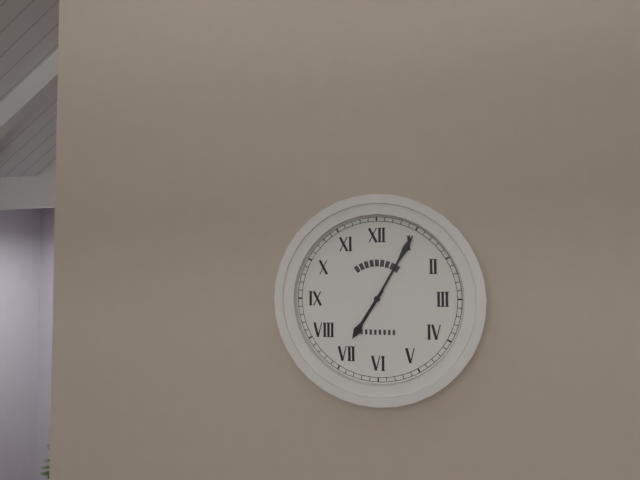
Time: 7h05
